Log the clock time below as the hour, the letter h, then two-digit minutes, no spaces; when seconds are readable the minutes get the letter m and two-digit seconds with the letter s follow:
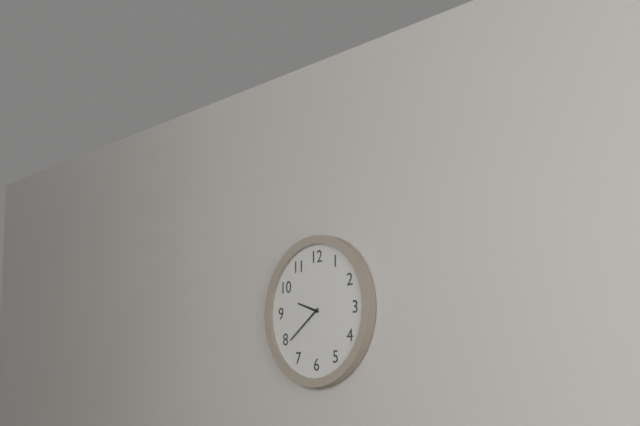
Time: 9h39
